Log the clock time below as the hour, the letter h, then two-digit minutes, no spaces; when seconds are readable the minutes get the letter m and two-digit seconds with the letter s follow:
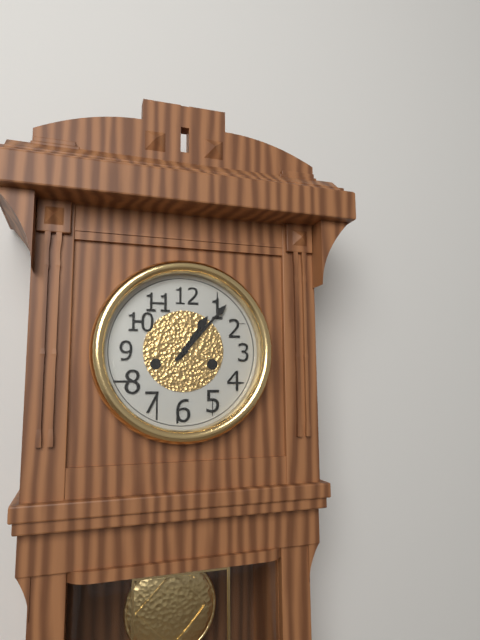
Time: 1h07
